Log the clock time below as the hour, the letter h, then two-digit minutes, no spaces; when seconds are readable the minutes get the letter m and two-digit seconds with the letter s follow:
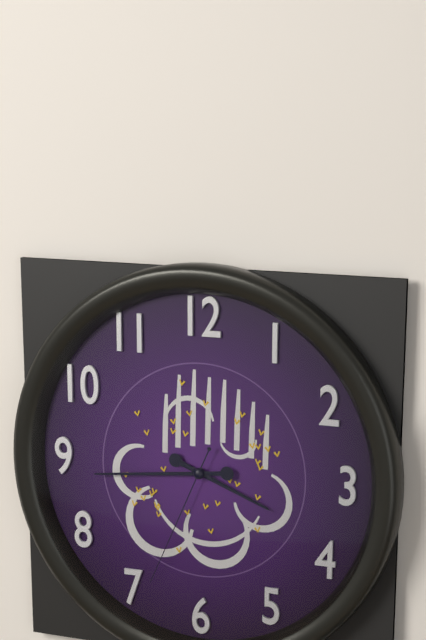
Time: 3h44m34s
